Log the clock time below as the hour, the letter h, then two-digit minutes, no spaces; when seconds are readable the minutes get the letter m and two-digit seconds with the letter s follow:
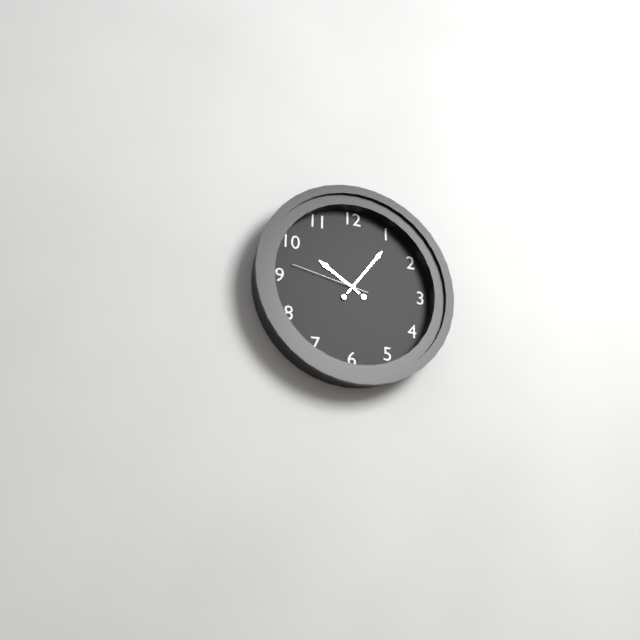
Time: 10h06m47s
